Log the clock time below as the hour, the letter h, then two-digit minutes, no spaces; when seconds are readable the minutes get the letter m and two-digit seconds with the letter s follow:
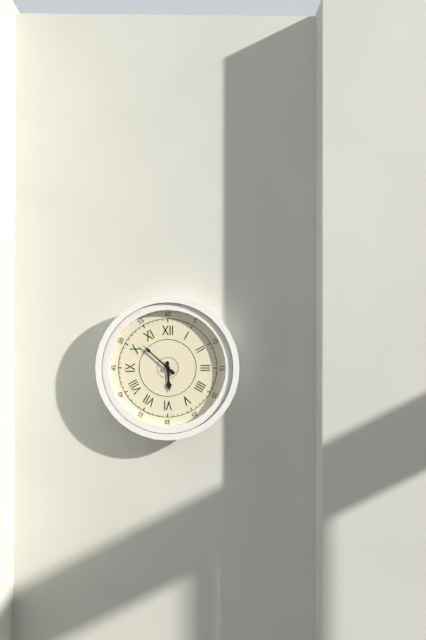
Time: 5h52
